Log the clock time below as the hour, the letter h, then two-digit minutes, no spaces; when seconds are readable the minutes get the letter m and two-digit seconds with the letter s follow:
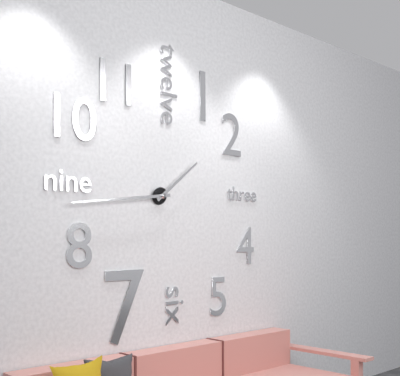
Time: 1h44
